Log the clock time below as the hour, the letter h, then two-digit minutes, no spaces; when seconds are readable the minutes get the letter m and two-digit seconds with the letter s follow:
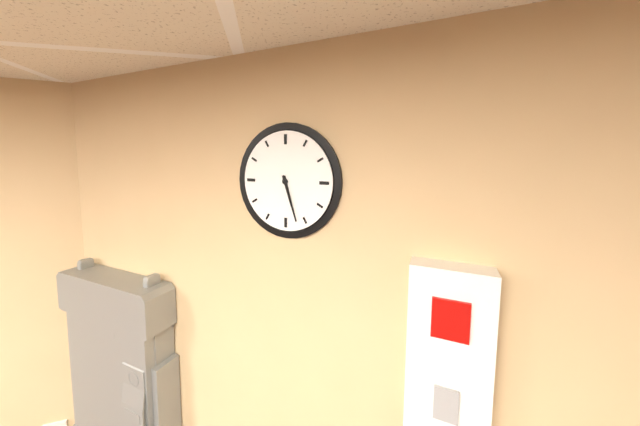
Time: 5h27
